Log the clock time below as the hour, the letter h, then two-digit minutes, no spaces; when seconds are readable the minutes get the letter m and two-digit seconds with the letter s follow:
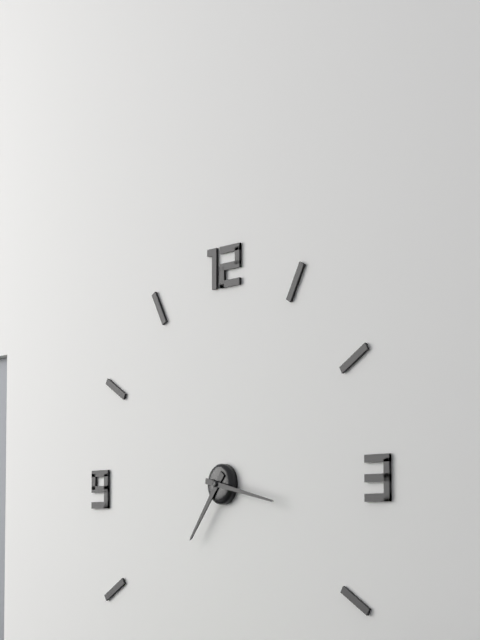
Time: 7h17
